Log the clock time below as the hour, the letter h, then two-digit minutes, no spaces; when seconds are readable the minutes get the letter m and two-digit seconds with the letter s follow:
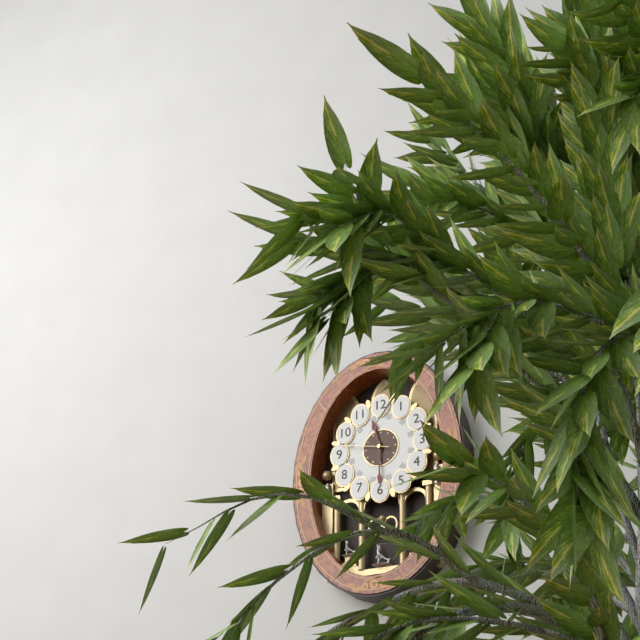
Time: 11h30
